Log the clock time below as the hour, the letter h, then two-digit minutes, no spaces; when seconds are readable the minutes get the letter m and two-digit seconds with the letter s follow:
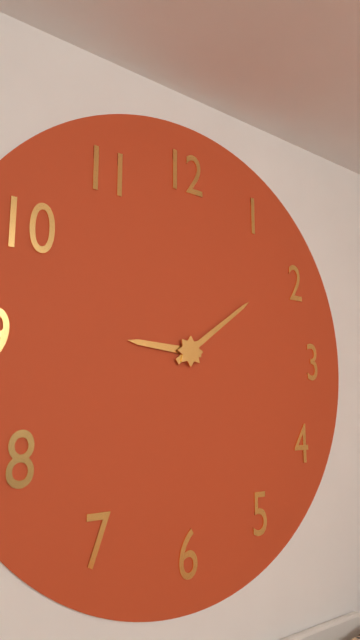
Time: 9h09
